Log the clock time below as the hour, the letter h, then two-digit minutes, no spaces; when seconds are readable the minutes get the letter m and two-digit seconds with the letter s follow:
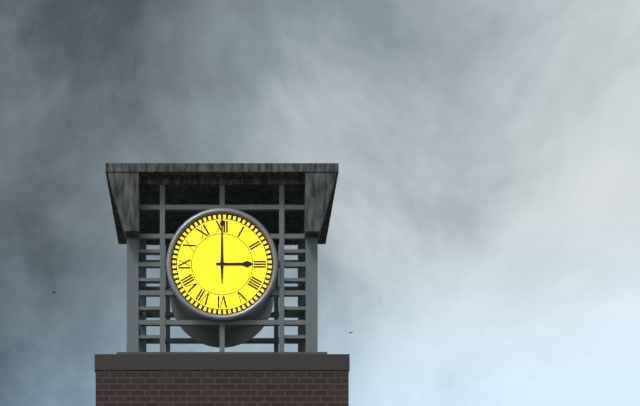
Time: 3h00
